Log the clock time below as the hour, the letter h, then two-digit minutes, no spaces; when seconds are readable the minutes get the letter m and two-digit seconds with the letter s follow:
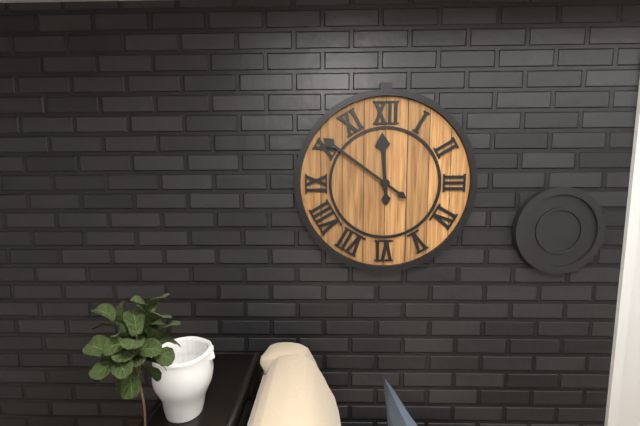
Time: 11h51
